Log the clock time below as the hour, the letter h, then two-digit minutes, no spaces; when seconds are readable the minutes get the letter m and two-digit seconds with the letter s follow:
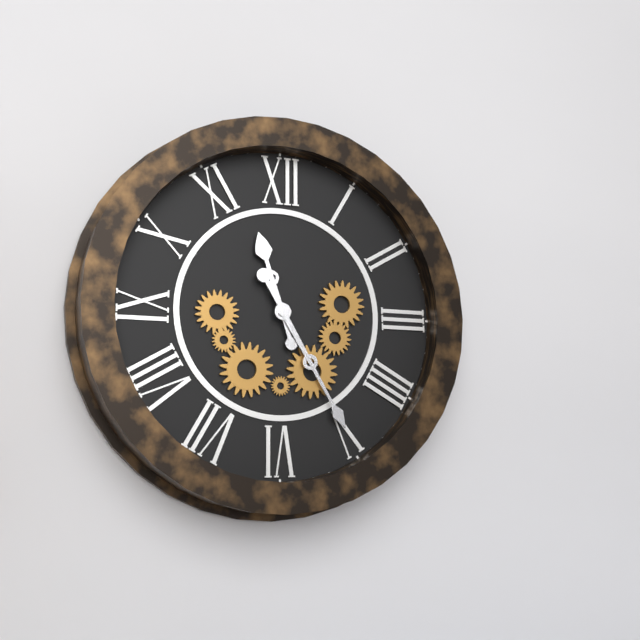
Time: 11h25
